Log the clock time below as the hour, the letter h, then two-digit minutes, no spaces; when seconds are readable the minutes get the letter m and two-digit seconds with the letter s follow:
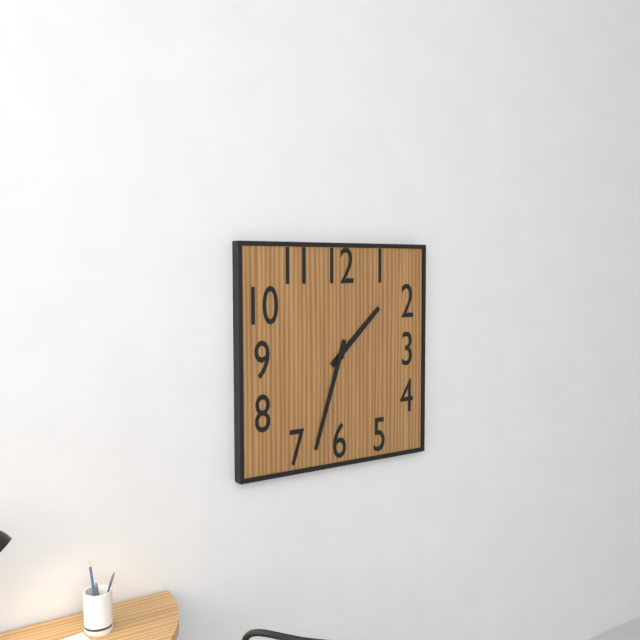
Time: 1h33
